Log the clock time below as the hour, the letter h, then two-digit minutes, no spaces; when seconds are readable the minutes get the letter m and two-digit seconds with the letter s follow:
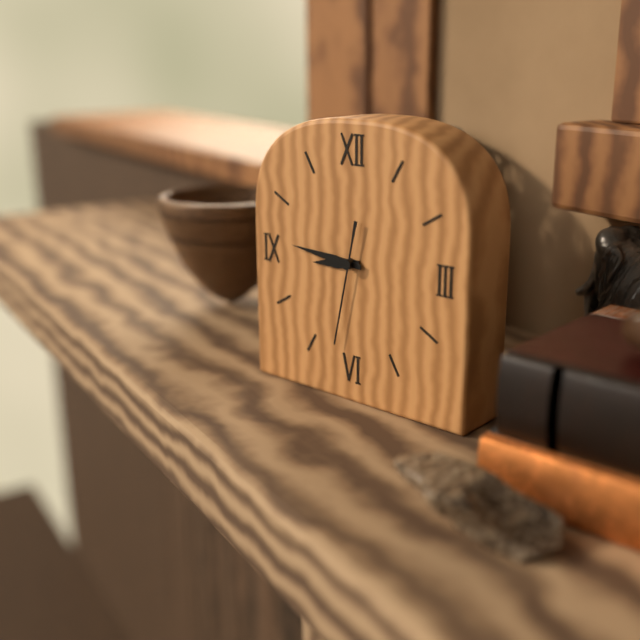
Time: 8h46m32s
